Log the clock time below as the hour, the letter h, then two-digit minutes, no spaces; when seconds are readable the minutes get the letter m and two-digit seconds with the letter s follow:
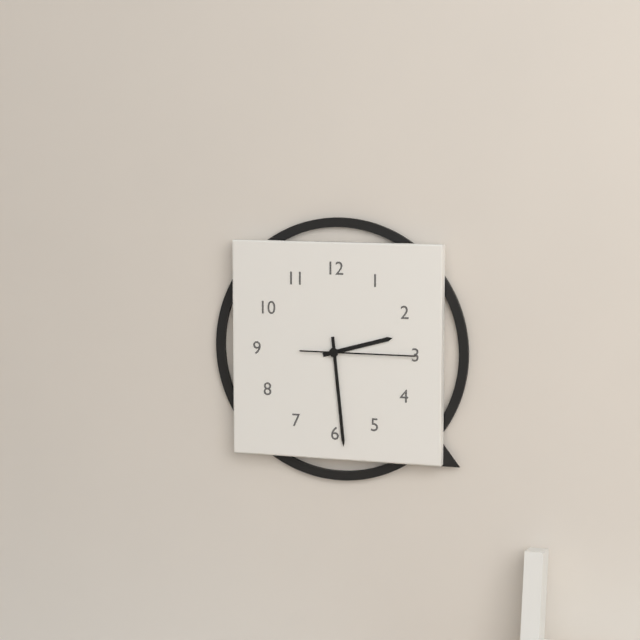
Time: 2h29m15s
